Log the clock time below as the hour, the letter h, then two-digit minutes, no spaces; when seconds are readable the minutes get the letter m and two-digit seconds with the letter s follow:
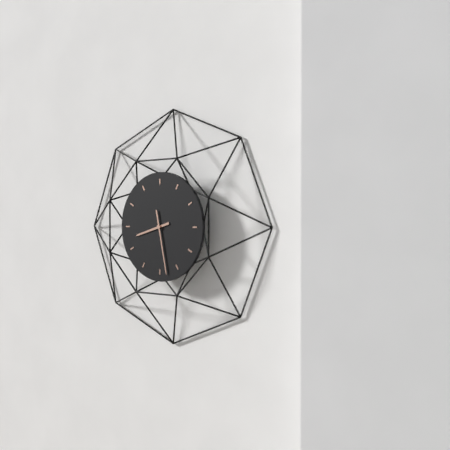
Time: 8h28
